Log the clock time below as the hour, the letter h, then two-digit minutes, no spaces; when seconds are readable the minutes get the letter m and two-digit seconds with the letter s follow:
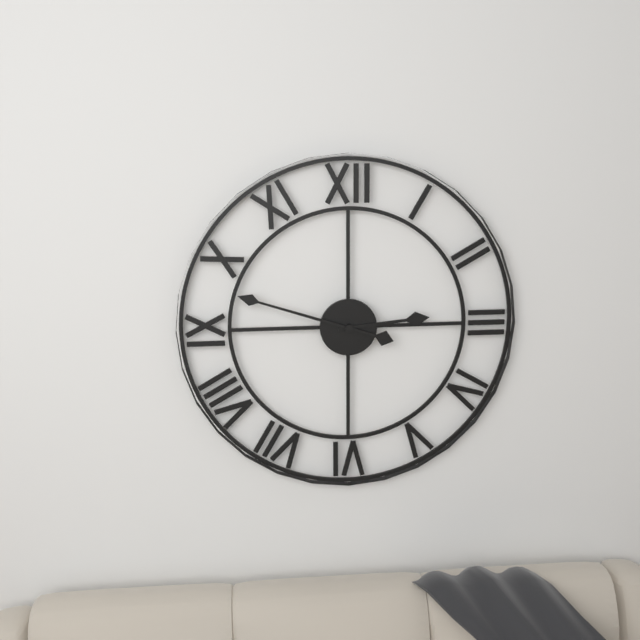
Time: 2h48
